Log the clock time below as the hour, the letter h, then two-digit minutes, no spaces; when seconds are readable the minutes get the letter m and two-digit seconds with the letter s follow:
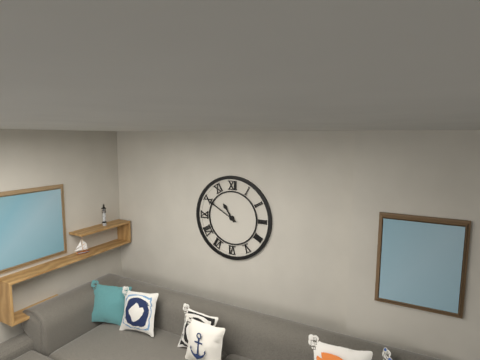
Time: 10h50
